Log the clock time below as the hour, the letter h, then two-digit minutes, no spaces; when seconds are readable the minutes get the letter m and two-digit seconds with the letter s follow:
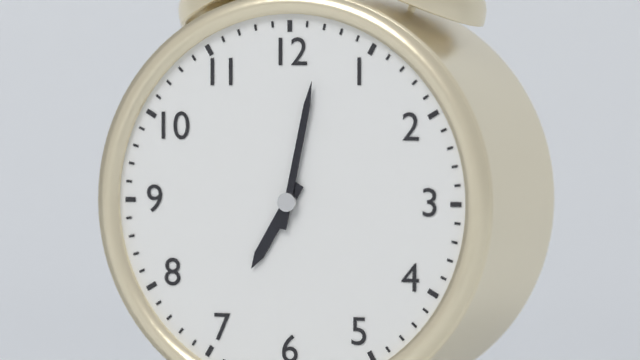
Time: 7h02
